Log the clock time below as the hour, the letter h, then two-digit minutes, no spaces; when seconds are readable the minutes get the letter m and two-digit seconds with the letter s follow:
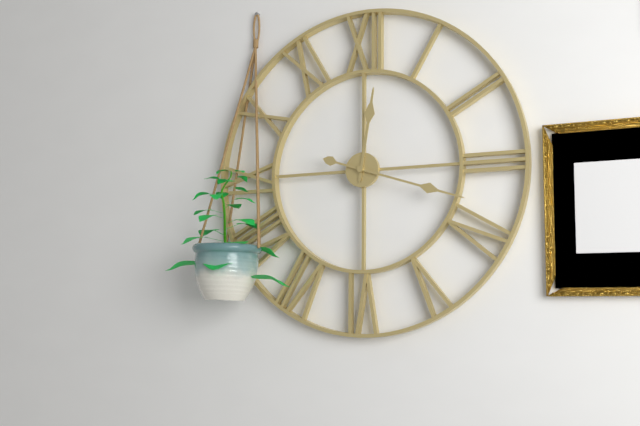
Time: 12h18
